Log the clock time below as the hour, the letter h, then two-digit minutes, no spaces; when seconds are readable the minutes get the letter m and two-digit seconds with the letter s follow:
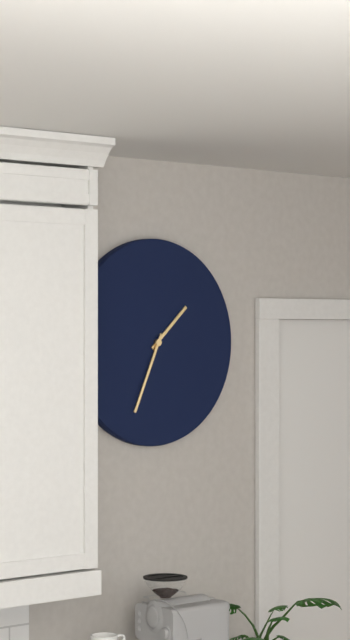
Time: 1h34
